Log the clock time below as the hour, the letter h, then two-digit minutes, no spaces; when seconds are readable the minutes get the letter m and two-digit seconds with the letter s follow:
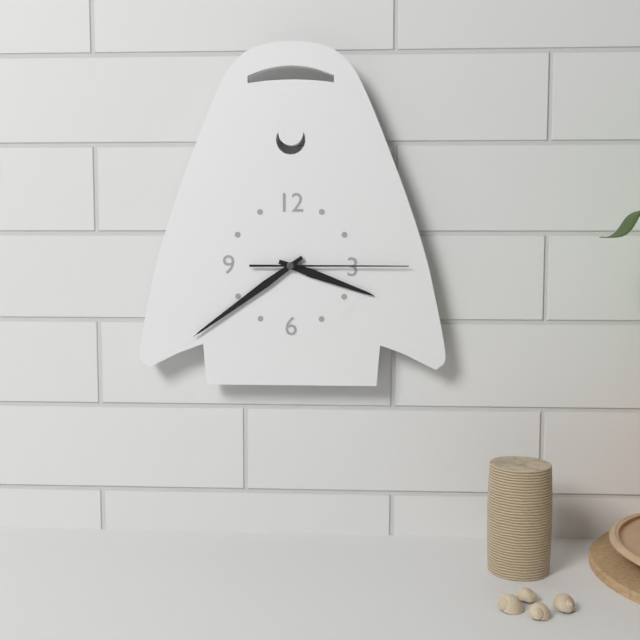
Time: 3h39m15s
